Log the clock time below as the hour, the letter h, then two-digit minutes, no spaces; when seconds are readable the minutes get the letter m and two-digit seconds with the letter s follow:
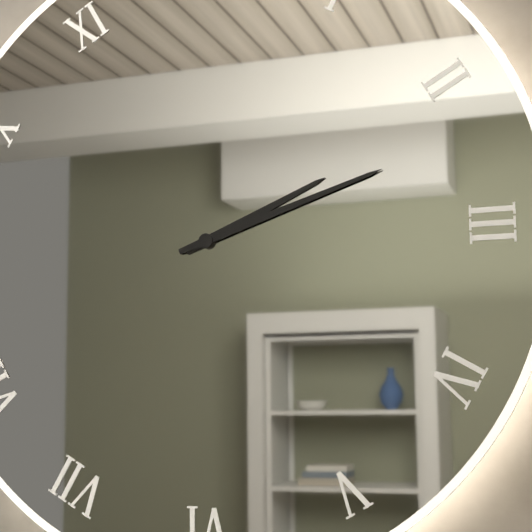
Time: 2h12
